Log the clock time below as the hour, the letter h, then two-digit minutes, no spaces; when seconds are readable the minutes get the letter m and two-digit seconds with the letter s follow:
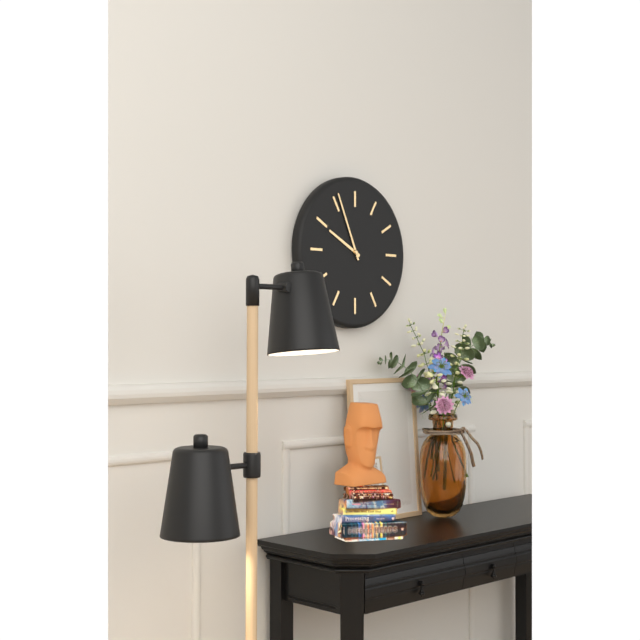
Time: 9h56
